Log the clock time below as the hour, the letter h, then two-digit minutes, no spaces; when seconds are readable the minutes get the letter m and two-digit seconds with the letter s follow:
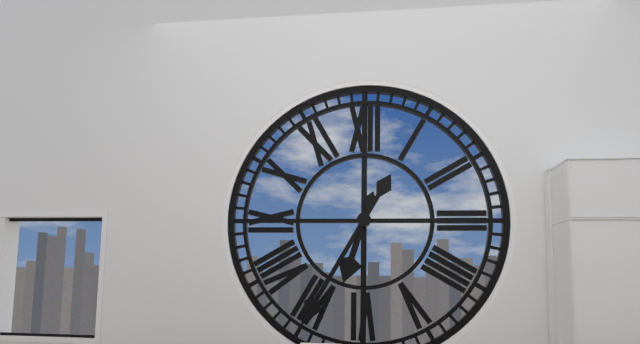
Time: 6h35
